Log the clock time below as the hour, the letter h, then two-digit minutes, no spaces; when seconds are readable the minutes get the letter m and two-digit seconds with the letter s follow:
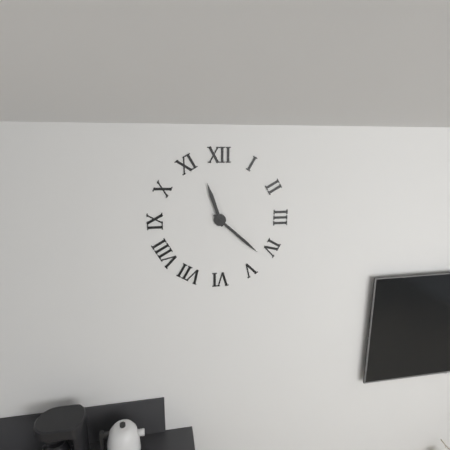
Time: 11h22
